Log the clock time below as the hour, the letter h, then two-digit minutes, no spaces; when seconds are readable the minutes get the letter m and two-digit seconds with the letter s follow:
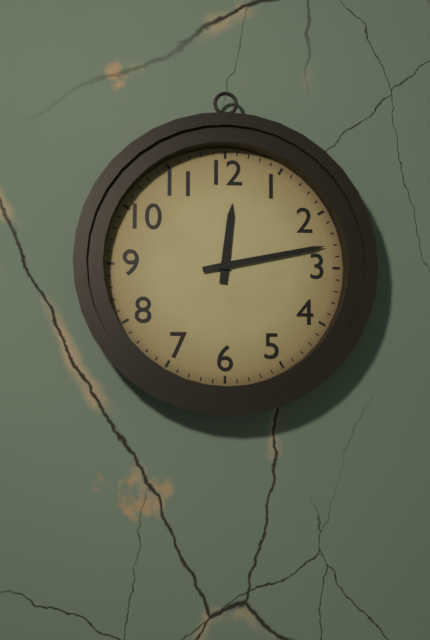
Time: 12h13
